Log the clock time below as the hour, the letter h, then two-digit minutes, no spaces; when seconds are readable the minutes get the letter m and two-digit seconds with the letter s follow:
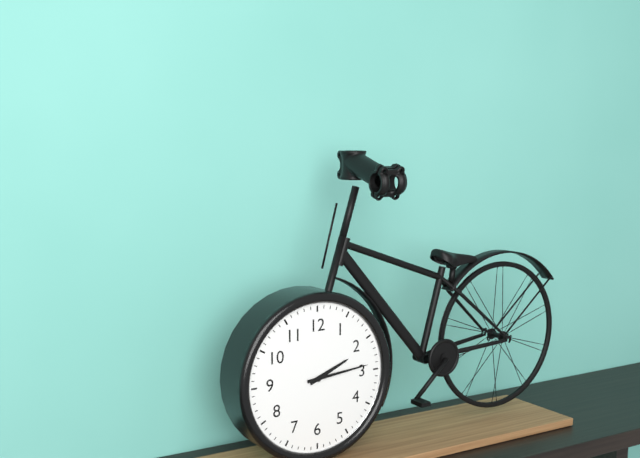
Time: 2h14
